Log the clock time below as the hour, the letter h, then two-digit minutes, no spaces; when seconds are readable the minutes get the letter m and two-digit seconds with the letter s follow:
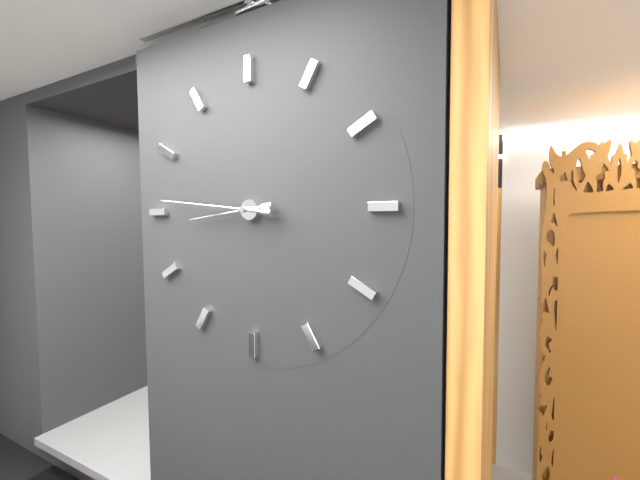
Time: 8h46
